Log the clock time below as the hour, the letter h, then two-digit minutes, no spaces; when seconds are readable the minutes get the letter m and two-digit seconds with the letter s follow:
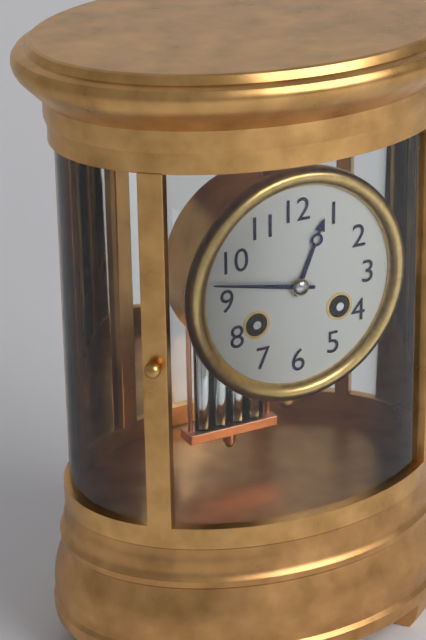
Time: 12h47
